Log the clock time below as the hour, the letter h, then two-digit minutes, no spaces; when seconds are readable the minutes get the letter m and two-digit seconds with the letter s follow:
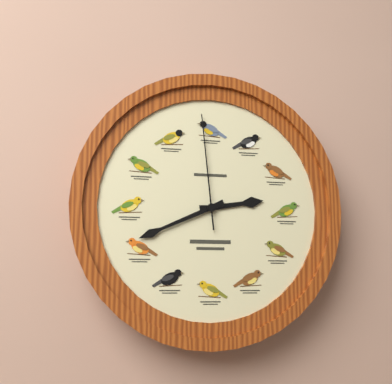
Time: 2h41m59s
